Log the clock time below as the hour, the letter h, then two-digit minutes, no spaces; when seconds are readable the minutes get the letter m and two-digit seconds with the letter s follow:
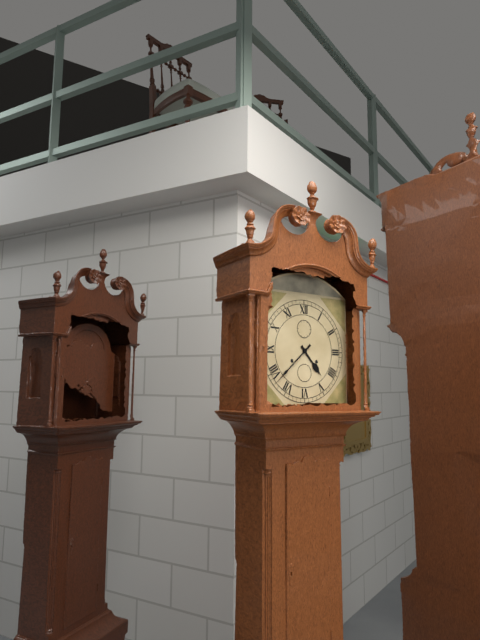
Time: 4h38
